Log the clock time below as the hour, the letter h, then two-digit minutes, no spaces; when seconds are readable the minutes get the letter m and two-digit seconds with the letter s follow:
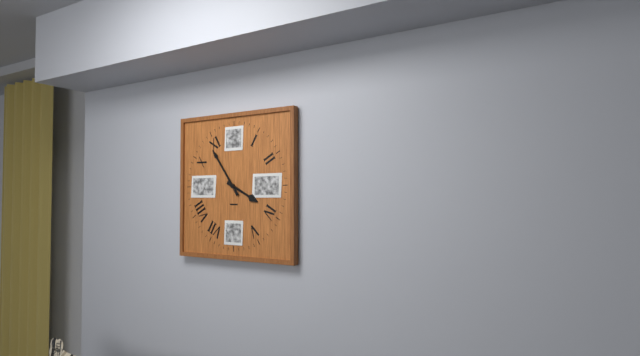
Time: 3h54
